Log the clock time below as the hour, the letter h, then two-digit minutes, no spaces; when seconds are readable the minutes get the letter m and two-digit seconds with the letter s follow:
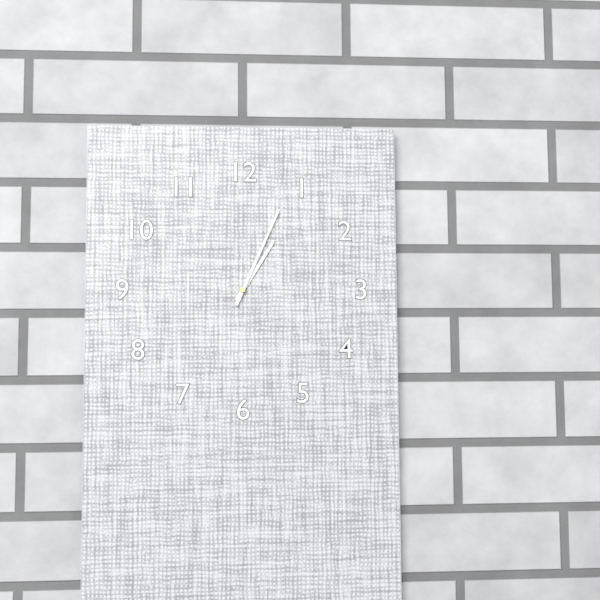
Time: 1h04
